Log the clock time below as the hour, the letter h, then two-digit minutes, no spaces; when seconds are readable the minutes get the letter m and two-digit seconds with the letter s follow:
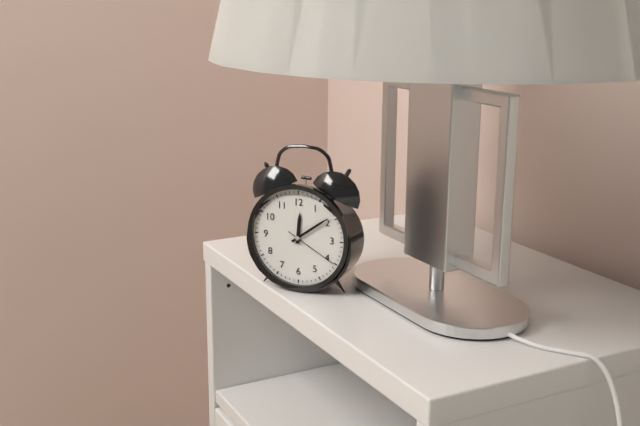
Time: 12h09m20s
